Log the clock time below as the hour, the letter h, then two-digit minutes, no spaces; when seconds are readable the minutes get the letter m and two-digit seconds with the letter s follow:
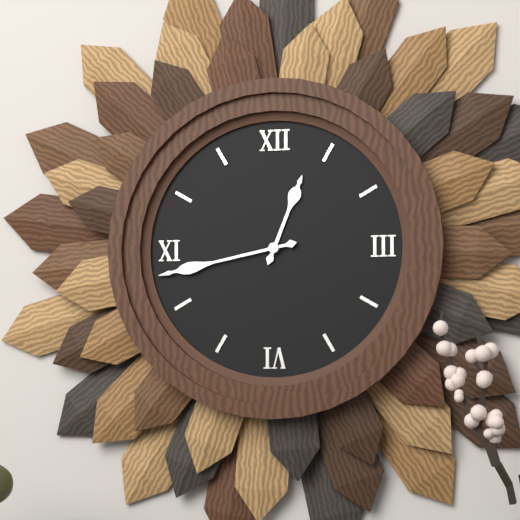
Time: 12h43
